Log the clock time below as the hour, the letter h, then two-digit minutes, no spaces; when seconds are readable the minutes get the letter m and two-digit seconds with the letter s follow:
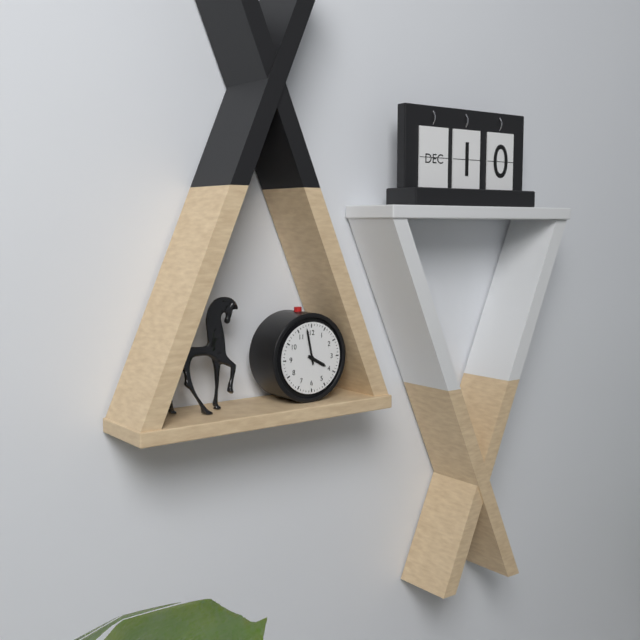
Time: 3h58
